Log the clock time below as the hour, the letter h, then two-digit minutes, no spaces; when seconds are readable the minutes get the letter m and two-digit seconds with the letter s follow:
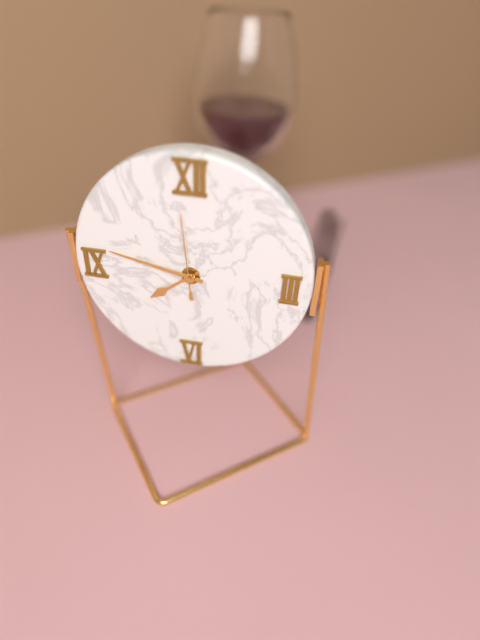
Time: 7h47m59s
